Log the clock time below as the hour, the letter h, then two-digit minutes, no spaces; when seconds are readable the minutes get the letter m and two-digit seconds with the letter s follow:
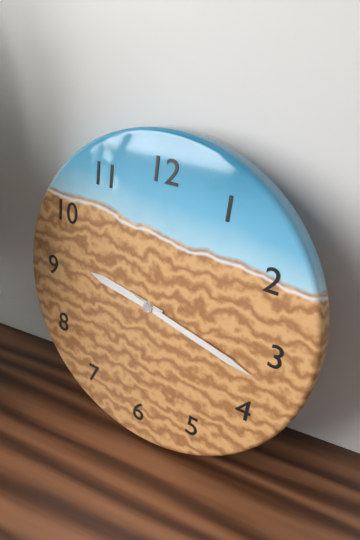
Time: 9h17
